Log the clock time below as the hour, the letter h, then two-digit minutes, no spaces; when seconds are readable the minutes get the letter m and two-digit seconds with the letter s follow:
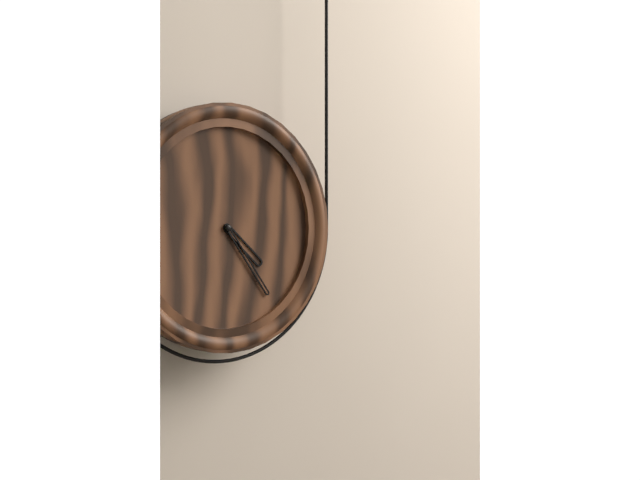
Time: 4h24
